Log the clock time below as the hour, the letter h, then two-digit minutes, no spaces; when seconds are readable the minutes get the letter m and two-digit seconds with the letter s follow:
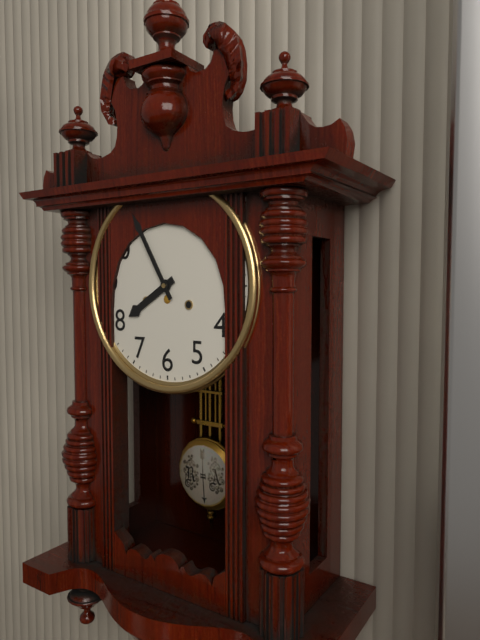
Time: 7h55
